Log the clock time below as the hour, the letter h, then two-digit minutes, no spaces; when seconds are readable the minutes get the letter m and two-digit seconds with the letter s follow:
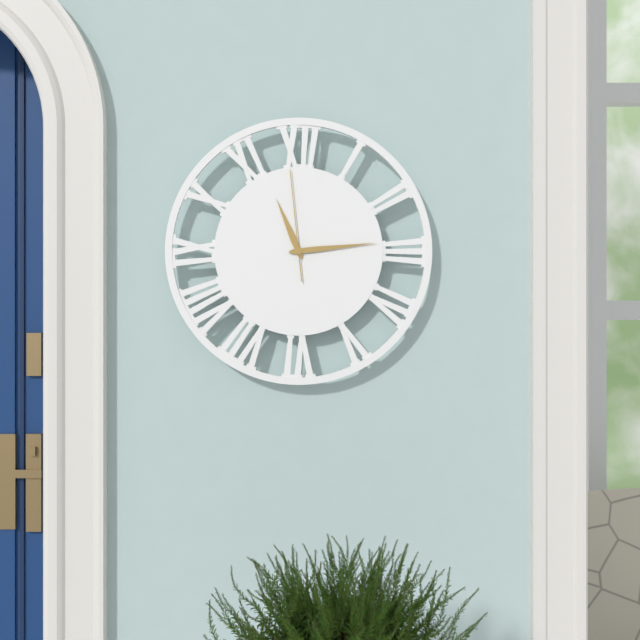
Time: 11h14m59s
